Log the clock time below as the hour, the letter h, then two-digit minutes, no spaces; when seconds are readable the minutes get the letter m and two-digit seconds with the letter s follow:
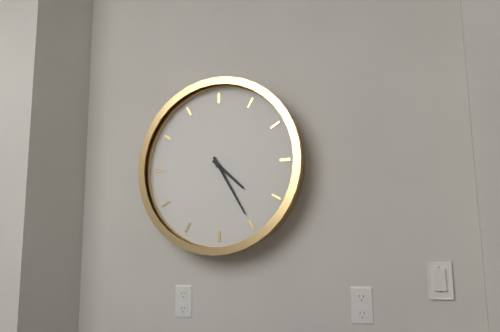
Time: 4h25
